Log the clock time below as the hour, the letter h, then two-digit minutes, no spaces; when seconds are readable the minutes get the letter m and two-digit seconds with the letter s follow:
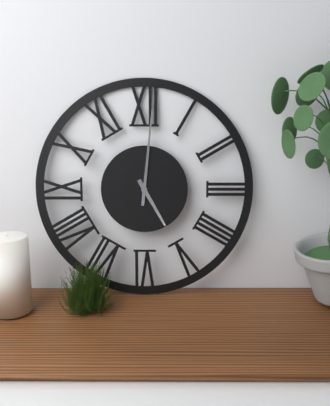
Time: 5h01
